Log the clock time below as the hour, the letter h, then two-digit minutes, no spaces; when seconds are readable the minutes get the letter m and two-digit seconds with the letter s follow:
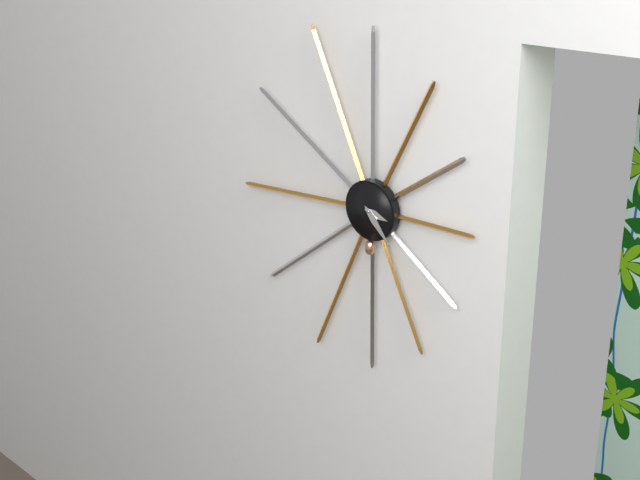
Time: 3h23
